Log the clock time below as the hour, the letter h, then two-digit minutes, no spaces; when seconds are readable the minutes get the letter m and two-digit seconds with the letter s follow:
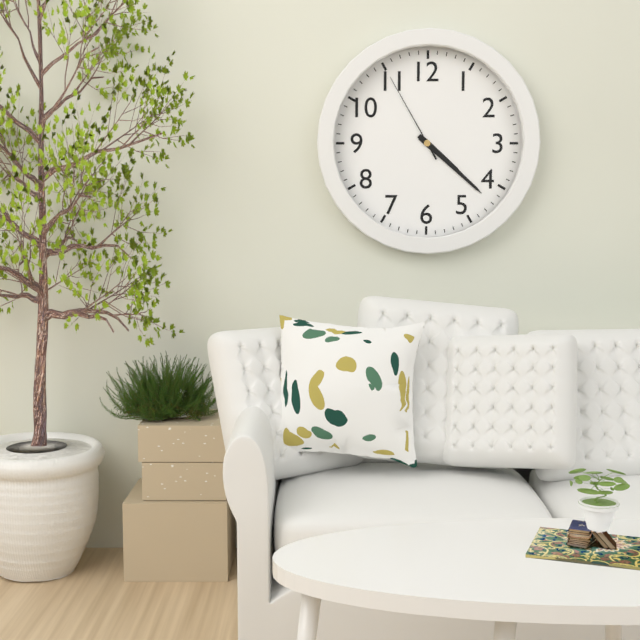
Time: 4h22m55s
